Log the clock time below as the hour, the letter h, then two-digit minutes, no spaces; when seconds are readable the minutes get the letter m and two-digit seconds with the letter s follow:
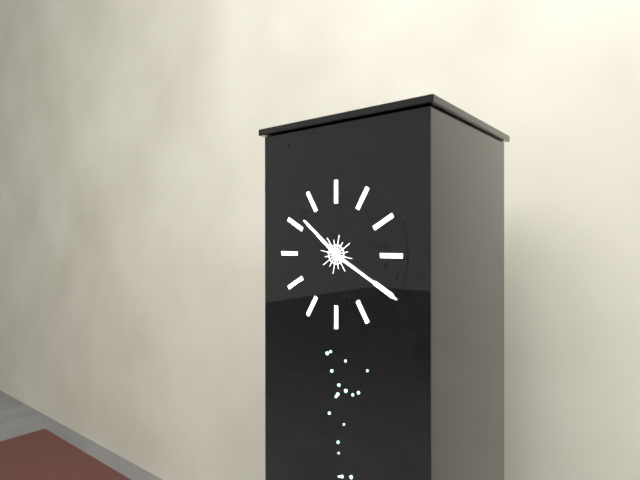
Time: 10h20
